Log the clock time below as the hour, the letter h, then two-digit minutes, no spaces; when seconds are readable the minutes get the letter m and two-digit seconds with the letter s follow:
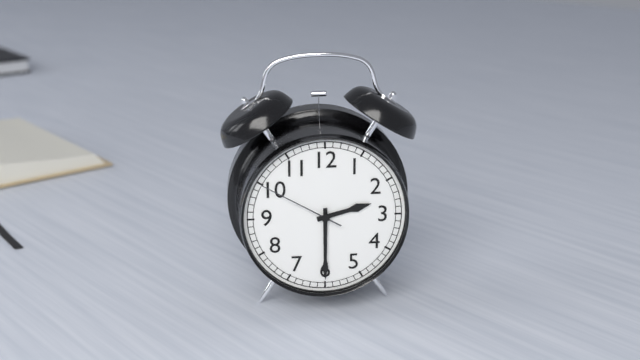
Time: 2h30m50s
